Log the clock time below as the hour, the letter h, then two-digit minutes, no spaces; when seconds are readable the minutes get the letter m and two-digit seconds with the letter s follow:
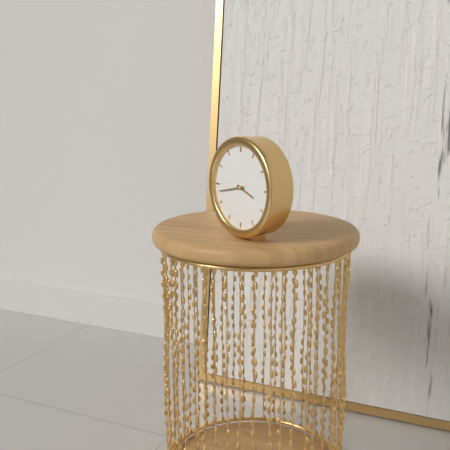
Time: 3h43
